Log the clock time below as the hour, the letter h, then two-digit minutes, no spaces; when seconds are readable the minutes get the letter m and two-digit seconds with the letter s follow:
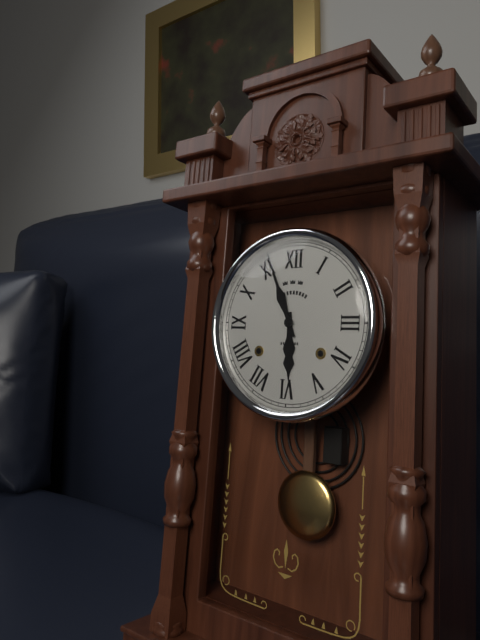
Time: 5h56
